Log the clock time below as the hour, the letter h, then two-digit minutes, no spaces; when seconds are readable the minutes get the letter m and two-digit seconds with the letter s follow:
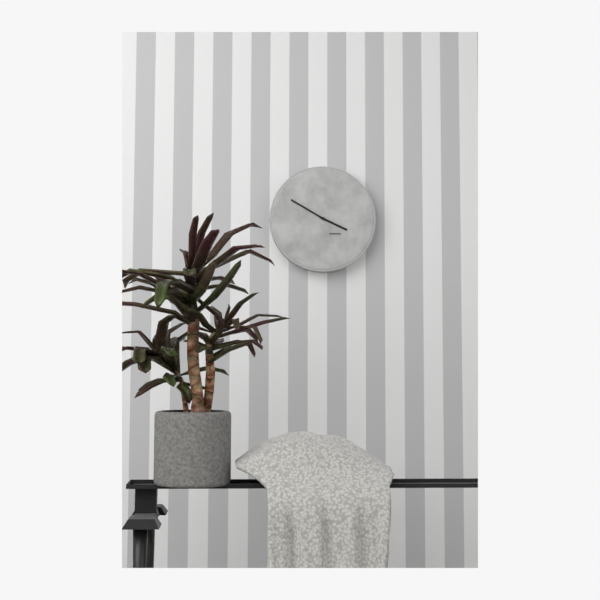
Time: 3h50
